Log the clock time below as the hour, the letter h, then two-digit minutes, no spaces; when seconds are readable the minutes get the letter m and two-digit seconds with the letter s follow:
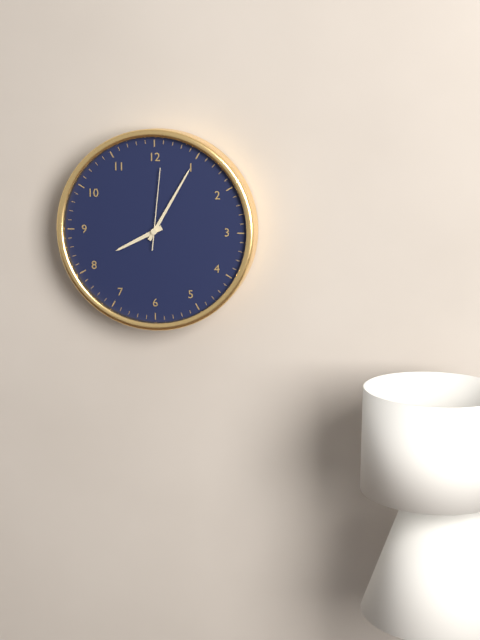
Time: 8h05m01s
